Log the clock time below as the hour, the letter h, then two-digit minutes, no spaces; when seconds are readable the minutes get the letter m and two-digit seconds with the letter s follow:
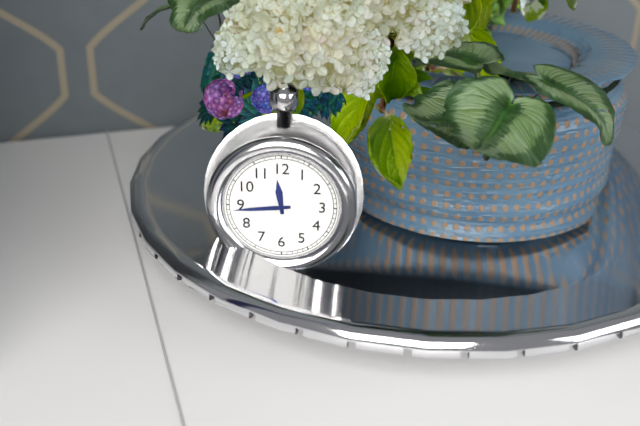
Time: 11h44
